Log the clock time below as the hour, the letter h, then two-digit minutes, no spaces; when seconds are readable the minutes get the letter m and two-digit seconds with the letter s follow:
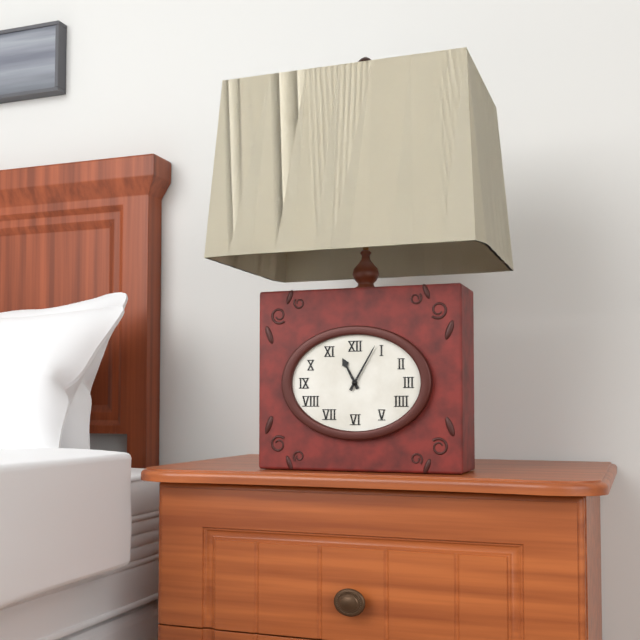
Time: 11h05
